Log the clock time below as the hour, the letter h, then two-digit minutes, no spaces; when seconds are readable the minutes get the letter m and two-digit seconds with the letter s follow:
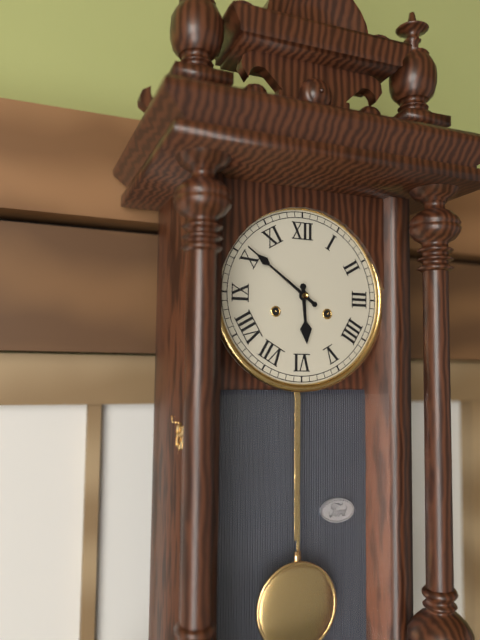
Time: 5h51
